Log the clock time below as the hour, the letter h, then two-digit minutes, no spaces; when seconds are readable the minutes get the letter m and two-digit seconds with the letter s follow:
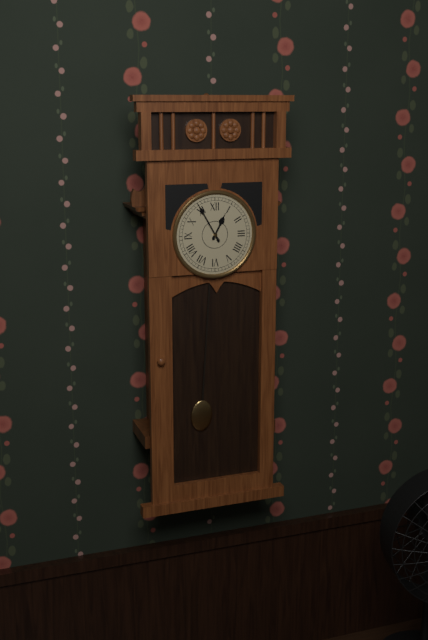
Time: 12h55
